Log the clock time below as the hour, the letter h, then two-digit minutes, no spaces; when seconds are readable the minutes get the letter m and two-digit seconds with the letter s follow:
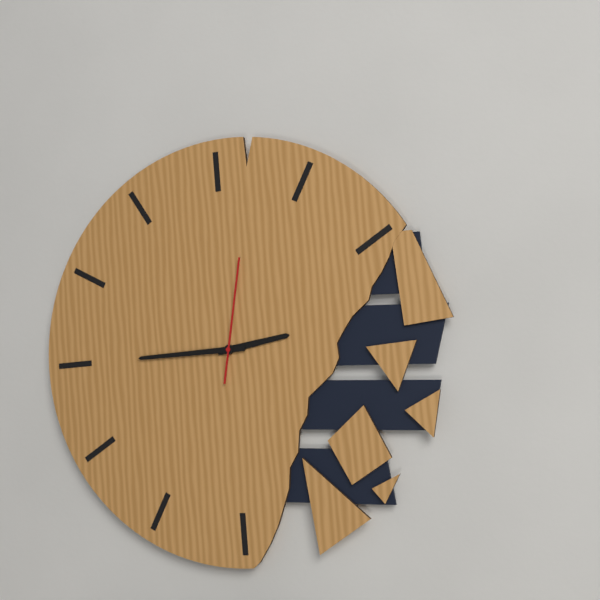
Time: 2h45m02s
